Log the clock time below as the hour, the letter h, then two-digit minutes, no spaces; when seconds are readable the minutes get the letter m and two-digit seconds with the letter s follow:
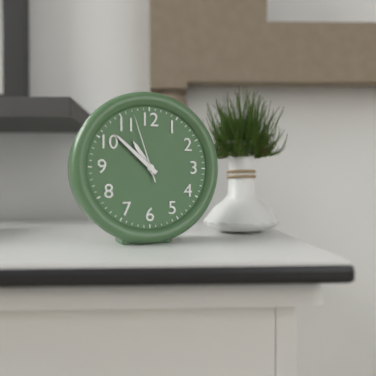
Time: 10h52m57s
